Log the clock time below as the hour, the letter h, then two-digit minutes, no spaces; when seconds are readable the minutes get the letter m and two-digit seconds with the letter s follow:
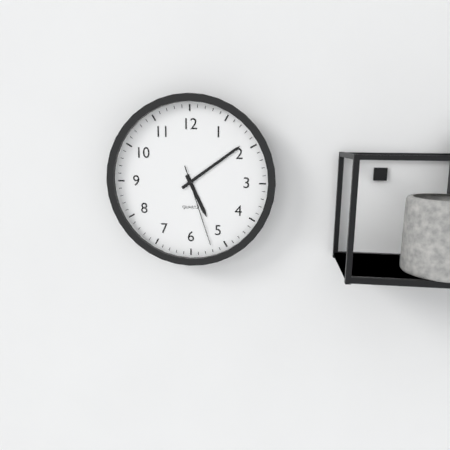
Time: 5h09m27s
